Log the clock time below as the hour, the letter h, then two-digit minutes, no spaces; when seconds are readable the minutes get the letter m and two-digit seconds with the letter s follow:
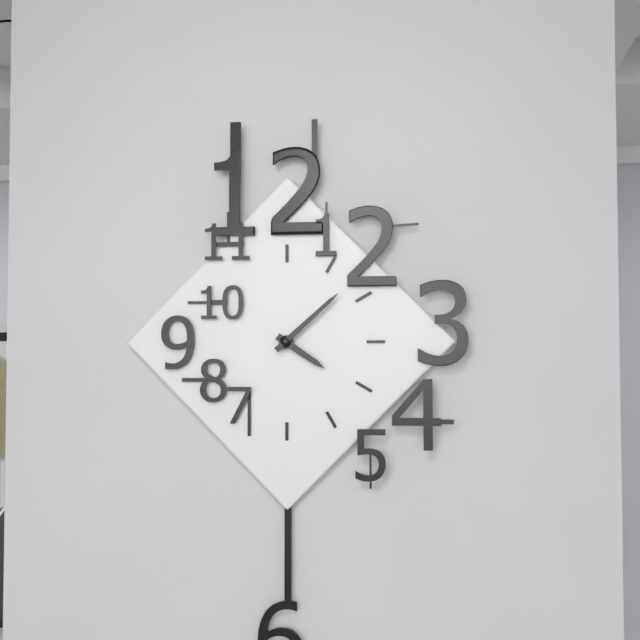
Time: 4h08
